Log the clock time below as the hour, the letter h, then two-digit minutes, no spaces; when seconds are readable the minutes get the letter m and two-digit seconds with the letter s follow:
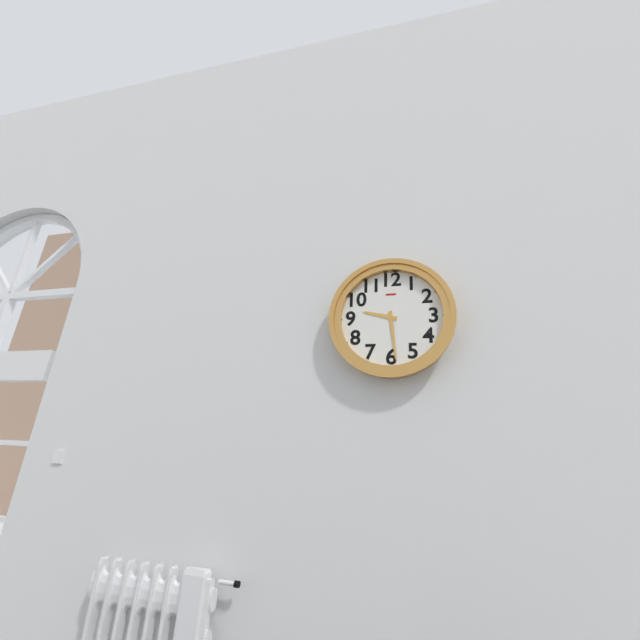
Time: 9h29
